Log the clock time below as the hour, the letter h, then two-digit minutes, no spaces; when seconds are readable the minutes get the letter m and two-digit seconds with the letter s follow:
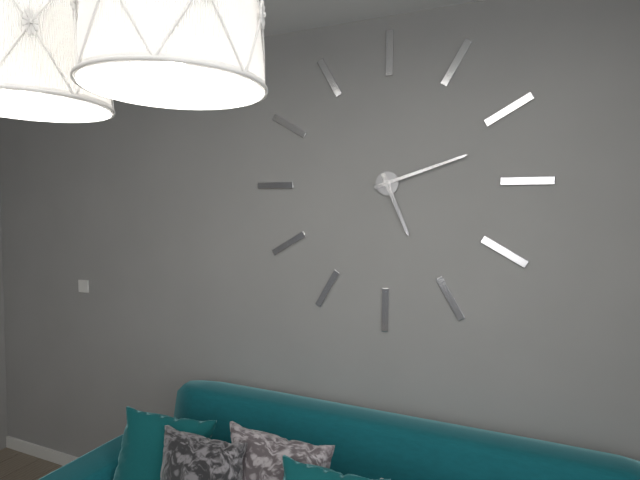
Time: 5h12
